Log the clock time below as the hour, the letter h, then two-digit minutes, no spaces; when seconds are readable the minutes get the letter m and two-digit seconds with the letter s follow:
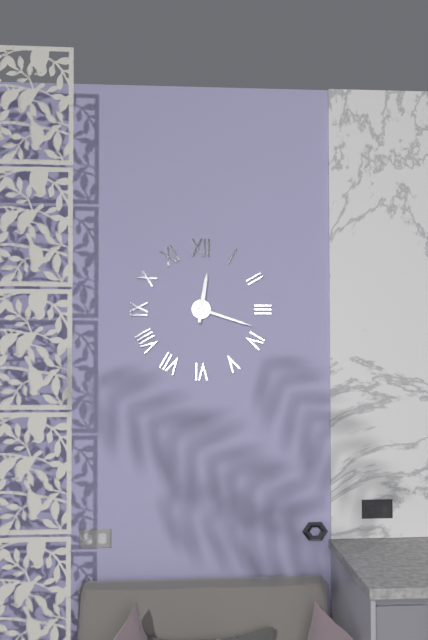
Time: 12h18
